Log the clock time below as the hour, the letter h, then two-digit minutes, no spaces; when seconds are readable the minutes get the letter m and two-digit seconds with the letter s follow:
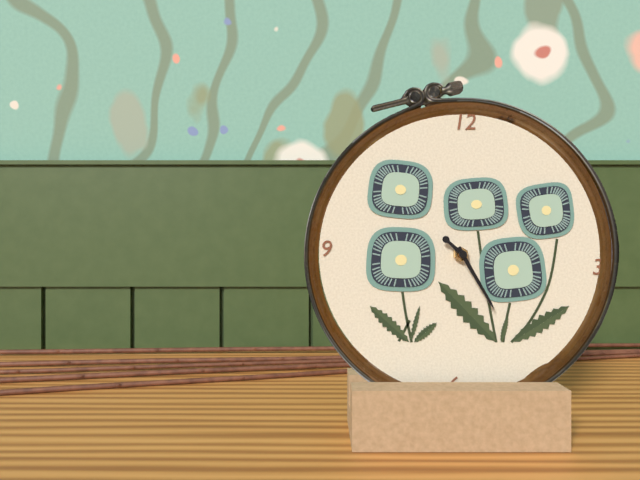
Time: 10h25
